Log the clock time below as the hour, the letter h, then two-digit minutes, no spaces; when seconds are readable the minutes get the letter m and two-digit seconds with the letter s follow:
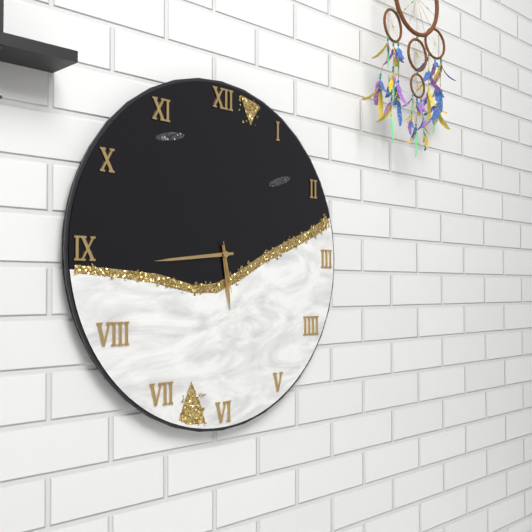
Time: 5h44m28s
